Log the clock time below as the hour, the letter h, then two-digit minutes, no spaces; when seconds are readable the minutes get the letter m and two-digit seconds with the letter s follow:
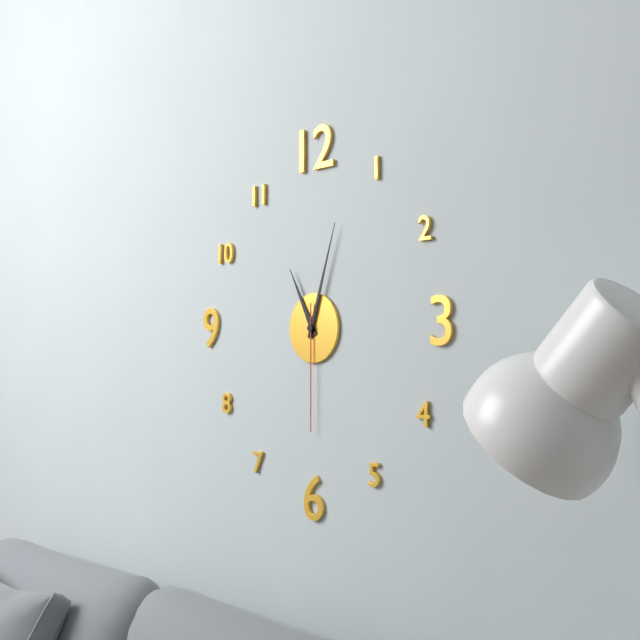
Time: 11h03m30s
